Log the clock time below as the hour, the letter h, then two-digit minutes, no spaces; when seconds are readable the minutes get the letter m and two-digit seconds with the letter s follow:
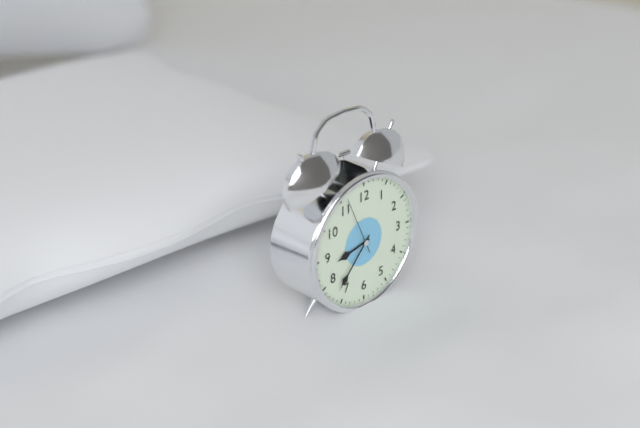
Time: 8h37m56s
